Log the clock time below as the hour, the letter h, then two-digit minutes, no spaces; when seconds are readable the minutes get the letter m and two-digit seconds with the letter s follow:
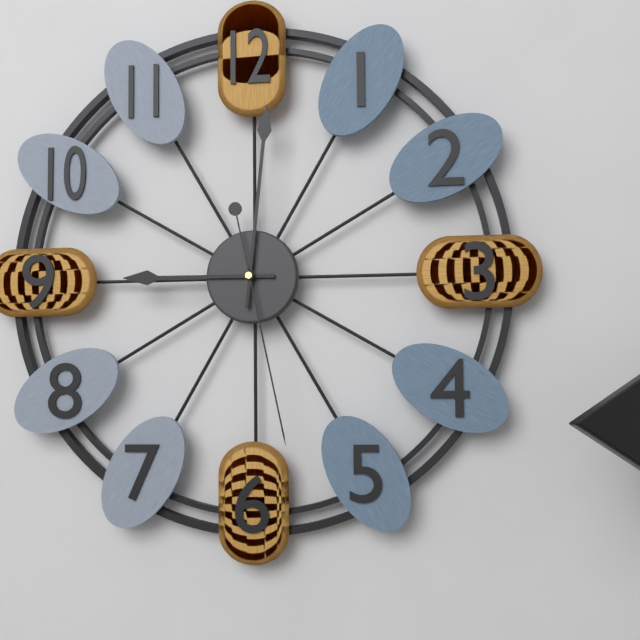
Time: 9h01m28s
